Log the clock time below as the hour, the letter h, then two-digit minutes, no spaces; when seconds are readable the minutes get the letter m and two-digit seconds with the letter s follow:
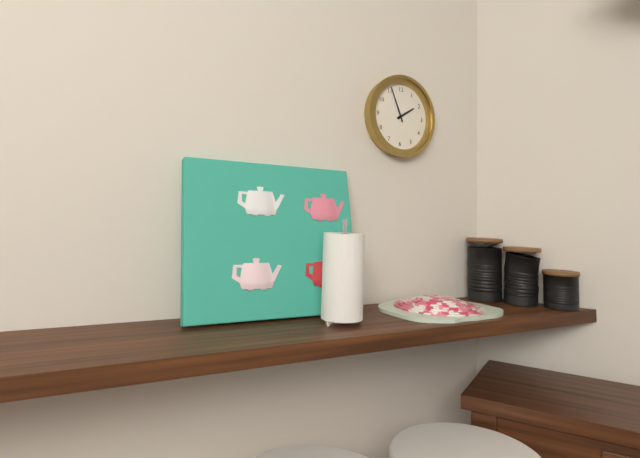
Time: 1h56
